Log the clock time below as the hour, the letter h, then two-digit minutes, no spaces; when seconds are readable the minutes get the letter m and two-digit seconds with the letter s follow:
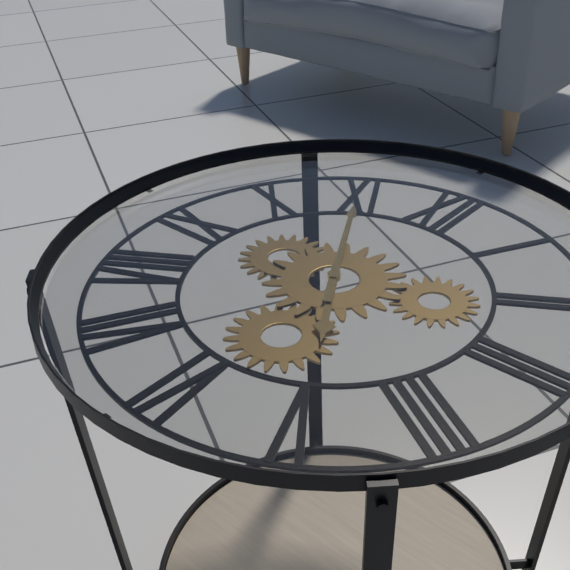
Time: 4h55
